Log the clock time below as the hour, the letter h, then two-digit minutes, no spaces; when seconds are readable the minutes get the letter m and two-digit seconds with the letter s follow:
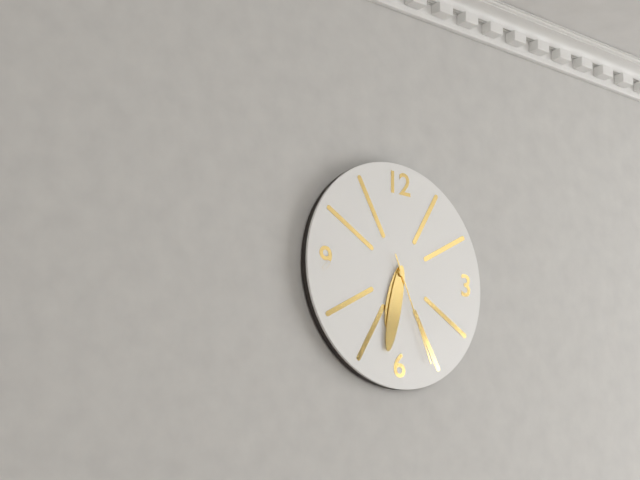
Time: 6h32m26s
